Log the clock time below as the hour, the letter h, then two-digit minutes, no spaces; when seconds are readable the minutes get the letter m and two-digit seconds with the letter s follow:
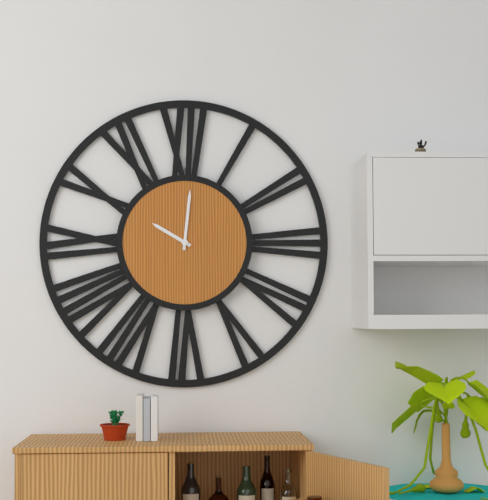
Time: 10h01
